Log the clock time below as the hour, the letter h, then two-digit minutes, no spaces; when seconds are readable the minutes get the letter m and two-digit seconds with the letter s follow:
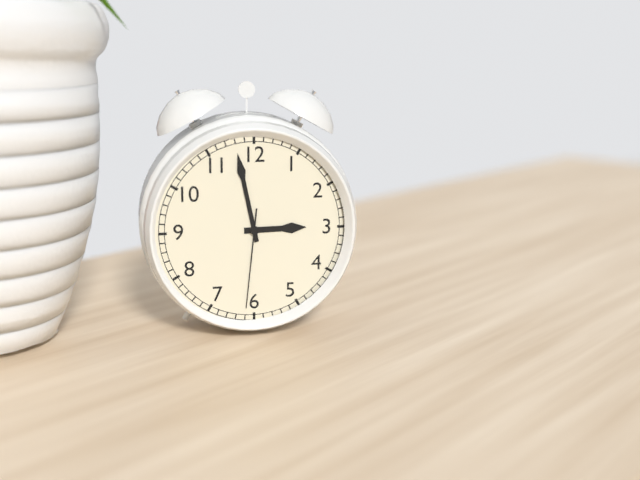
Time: 2h58m31s
